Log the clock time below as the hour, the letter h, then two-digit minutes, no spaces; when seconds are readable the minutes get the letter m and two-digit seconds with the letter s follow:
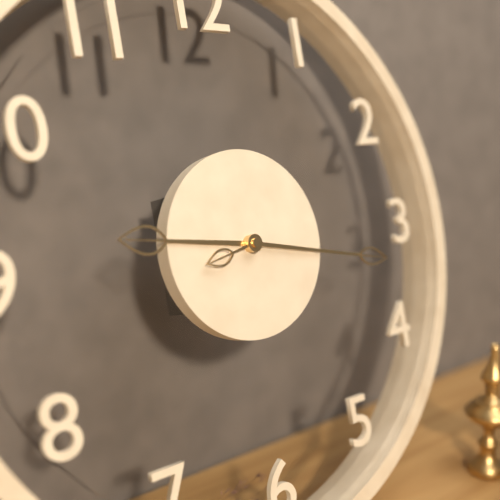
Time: 9h17m43s
